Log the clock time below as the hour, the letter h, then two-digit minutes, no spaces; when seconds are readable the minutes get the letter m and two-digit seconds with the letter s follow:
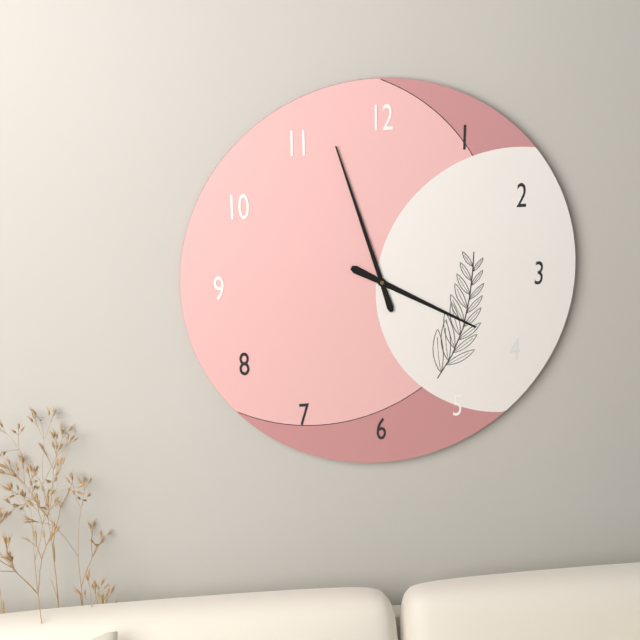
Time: 3h57
